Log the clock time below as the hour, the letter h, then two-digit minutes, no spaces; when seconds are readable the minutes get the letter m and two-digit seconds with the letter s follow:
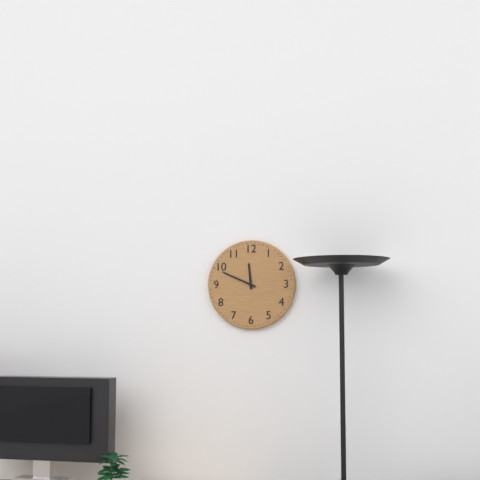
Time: 11h49
